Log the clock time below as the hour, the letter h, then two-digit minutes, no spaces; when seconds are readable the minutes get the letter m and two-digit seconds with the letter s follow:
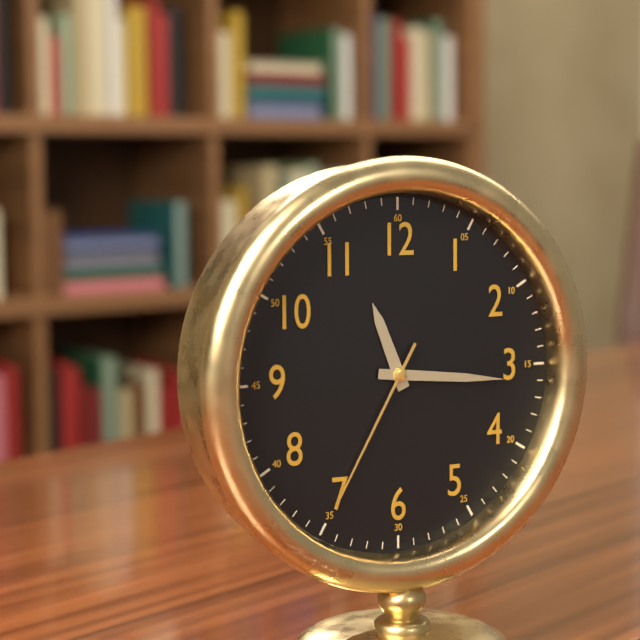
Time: 11h16m35s
